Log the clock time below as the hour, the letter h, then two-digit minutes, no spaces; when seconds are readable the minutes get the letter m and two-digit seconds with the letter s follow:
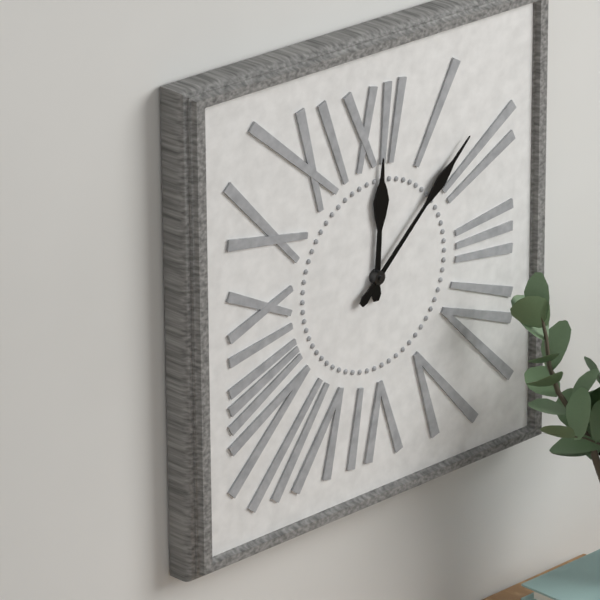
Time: 12h08
